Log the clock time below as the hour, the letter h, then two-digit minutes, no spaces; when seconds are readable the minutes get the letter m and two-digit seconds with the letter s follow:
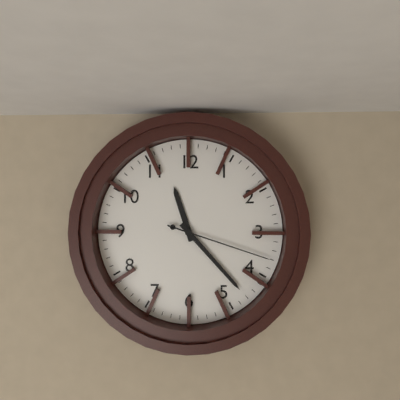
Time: 11h23m18s
